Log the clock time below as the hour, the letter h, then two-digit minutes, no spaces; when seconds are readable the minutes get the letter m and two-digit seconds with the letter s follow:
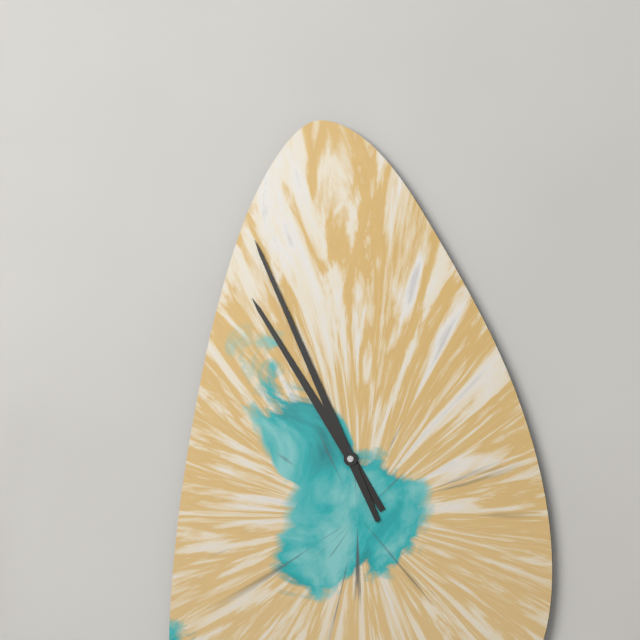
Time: 10h56
